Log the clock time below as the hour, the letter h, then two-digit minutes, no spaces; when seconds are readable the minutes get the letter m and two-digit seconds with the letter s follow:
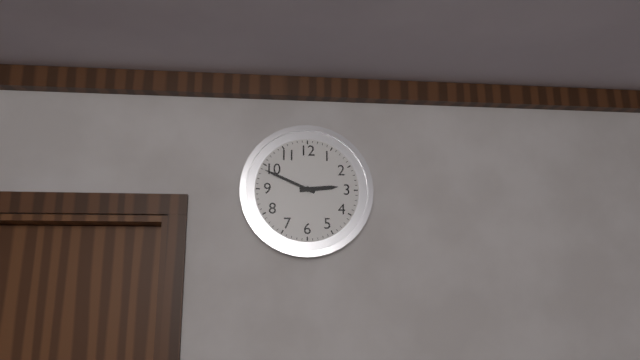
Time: 2h49
